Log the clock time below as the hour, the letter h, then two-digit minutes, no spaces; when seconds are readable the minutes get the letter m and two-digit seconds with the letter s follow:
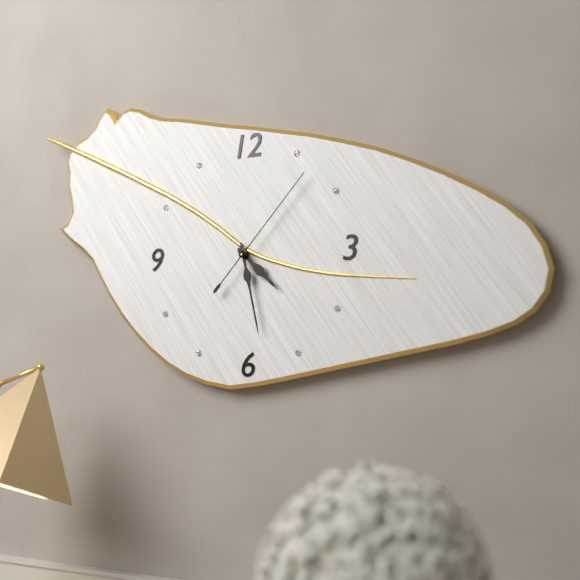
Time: 4h28m07s
